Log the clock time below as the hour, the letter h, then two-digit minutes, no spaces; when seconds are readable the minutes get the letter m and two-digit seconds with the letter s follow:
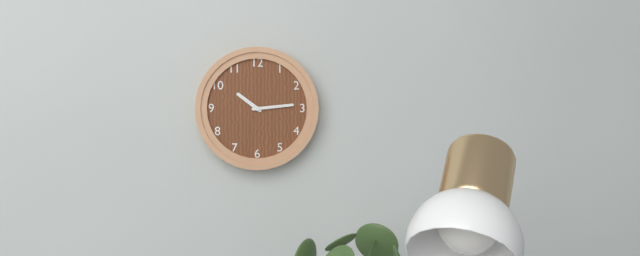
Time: 10h14
